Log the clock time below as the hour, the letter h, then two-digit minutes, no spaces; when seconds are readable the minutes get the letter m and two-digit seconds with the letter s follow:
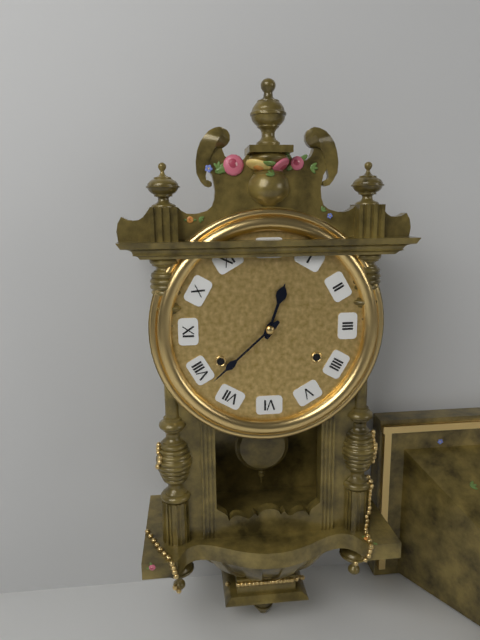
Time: 12h38
